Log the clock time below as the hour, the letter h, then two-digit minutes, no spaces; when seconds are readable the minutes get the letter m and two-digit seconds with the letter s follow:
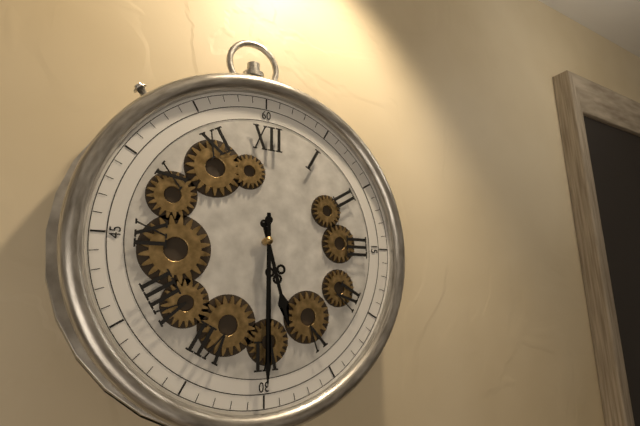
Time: 5h30
